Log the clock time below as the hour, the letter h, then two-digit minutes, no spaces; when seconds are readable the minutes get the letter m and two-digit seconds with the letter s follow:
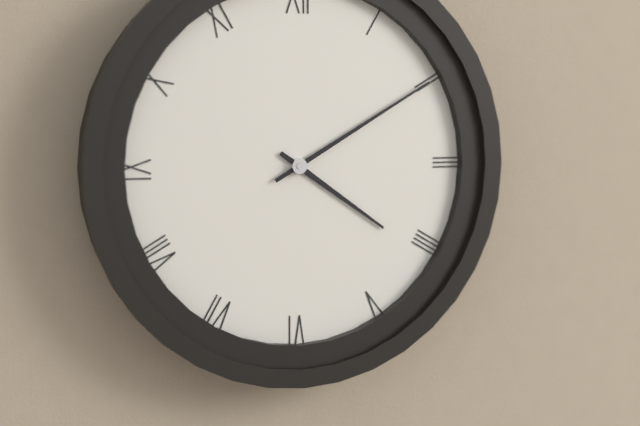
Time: 4h10
